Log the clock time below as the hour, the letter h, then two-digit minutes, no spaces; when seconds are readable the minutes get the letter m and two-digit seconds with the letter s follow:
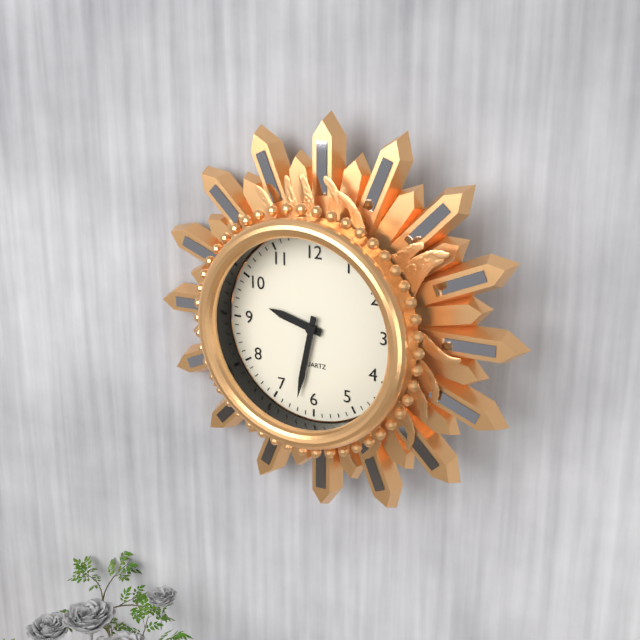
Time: 9h32
